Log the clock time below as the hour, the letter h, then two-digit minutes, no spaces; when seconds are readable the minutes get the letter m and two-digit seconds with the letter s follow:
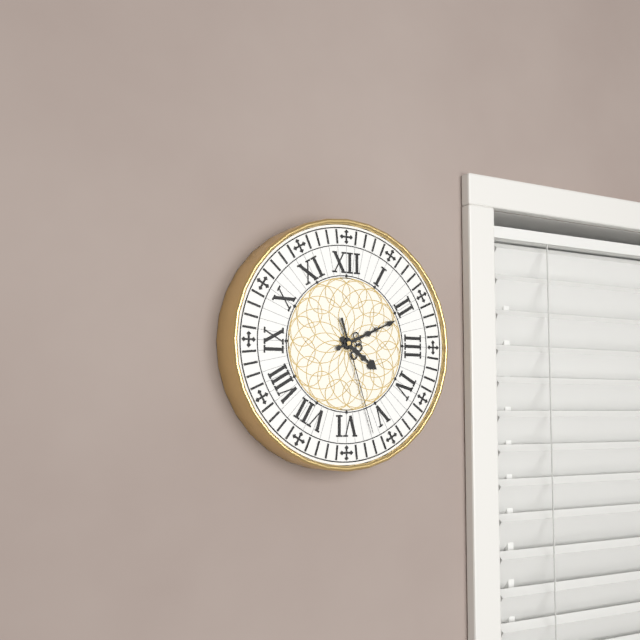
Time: 4h11m27s
